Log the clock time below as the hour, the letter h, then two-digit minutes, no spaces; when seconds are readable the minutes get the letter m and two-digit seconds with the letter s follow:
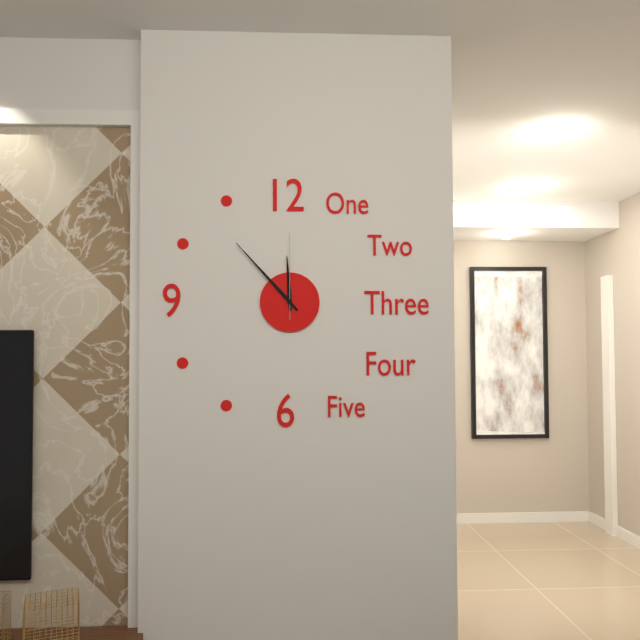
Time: 11h53m00s
